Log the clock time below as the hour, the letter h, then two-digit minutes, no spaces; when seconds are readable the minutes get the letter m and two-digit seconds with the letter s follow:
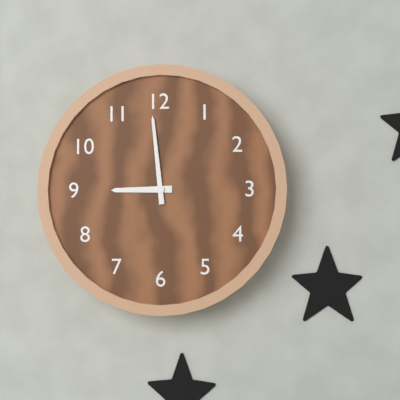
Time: 8h59
